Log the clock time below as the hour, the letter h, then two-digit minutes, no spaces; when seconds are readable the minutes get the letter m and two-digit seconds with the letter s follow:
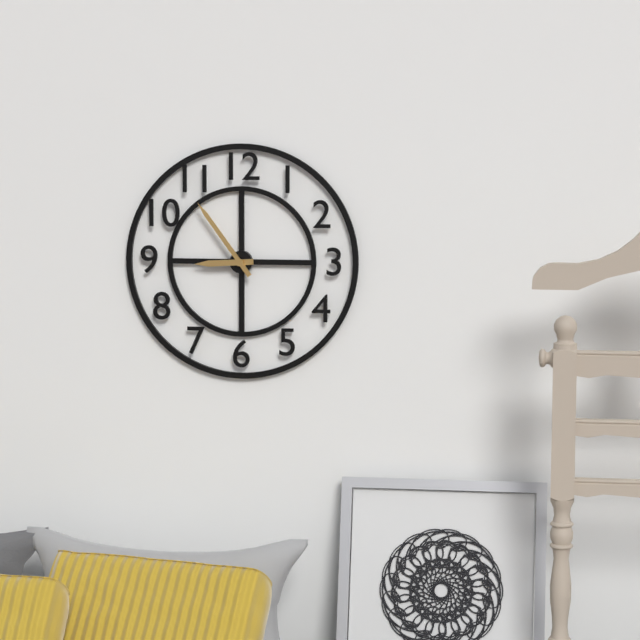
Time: 8h54
